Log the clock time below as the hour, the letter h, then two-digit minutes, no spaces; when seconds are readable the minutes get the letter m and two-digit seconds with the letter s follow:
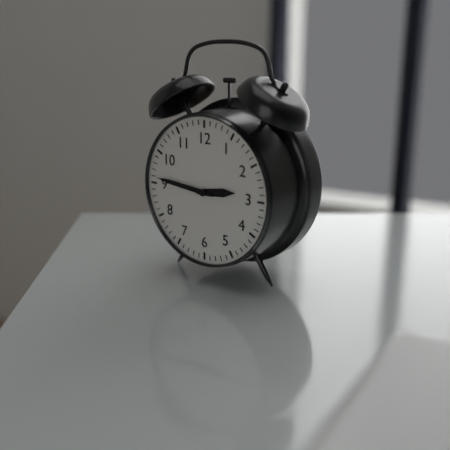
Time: 2h46
